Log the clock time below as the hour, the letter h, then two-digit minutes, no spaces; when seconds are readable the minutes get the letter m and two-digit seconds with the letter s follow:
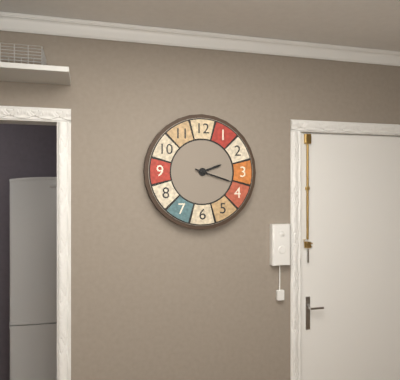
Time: 2h18
